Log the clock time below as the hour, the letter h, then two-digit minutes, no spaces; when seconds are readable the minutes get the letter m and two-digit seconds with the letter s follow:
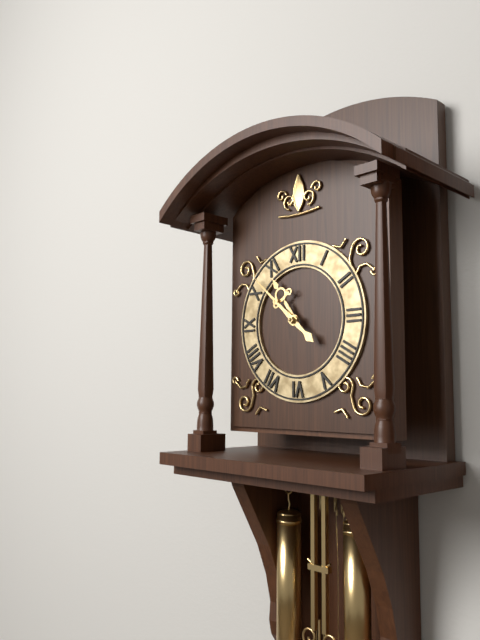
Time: 10h52
